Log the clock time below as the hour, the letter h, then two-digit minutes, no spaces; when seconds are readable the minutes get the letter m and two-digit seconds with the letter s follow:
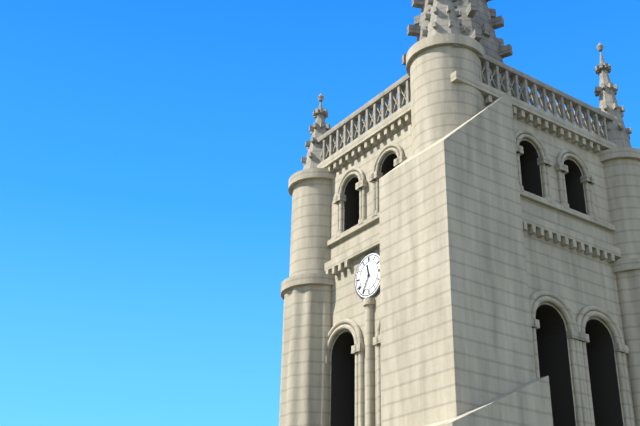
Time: 11h35
